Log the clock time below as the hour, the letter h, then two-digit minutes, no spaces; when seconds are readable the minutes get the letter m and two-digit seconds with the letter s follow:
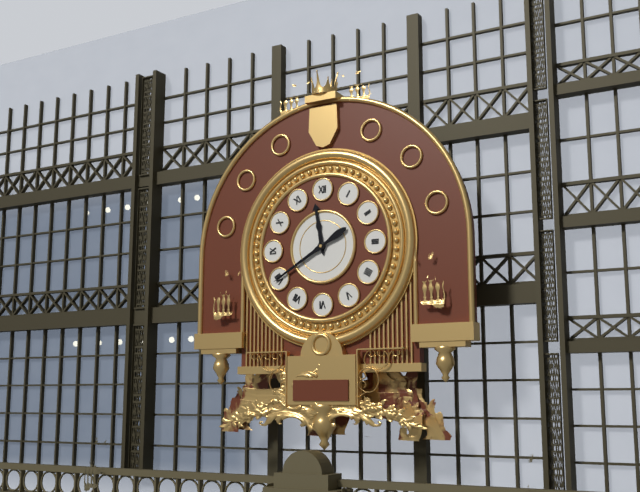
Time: 11h40
